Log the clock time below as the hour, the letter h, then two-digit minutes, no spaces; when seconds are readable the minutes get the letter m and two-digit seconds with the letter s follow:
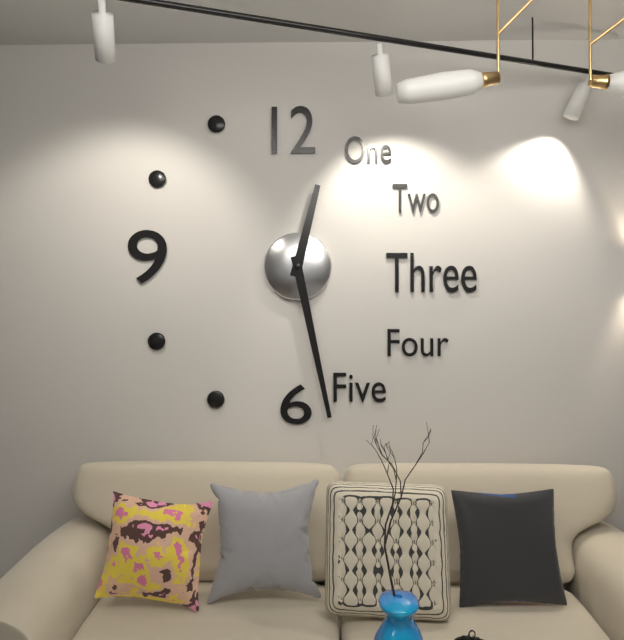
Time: 12h28
